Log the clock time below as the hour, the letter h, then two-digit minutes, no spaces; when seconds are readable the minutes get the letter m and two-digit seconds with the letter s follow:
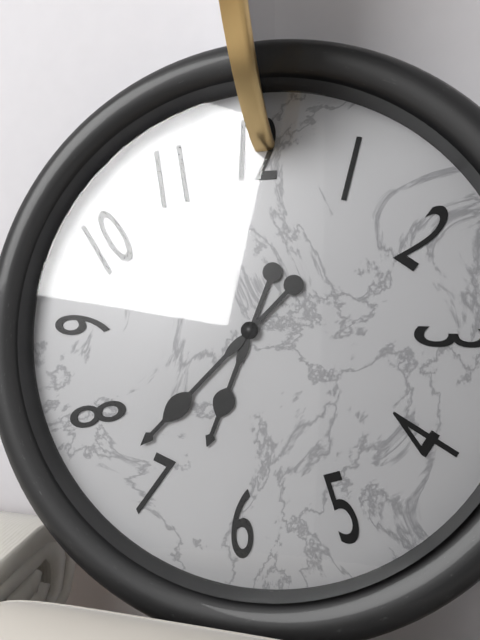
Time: 6h37
